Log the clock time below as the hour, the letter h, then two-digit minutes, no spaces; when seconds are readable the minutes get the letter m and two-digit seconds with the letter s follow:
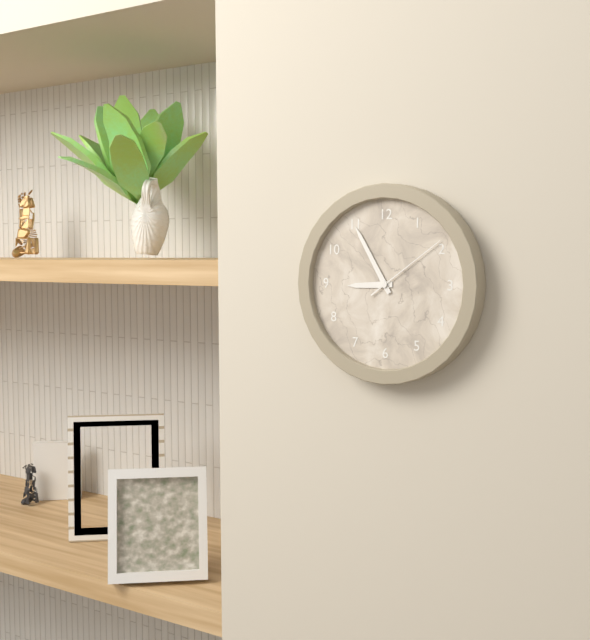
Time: 8h55m09s
